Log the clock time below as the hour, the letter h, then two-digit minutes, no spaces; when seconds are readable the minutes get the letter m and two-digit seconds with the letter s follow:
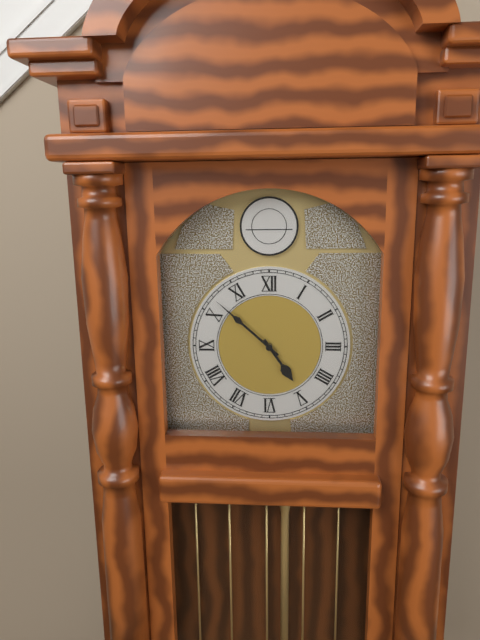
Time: 4h52
